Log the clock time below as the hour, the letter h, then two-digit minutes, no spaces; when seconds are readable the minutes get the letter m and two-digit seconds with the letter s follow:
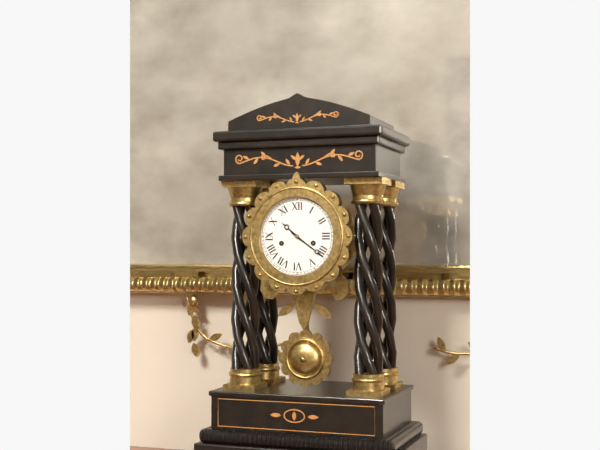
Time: 10h21
